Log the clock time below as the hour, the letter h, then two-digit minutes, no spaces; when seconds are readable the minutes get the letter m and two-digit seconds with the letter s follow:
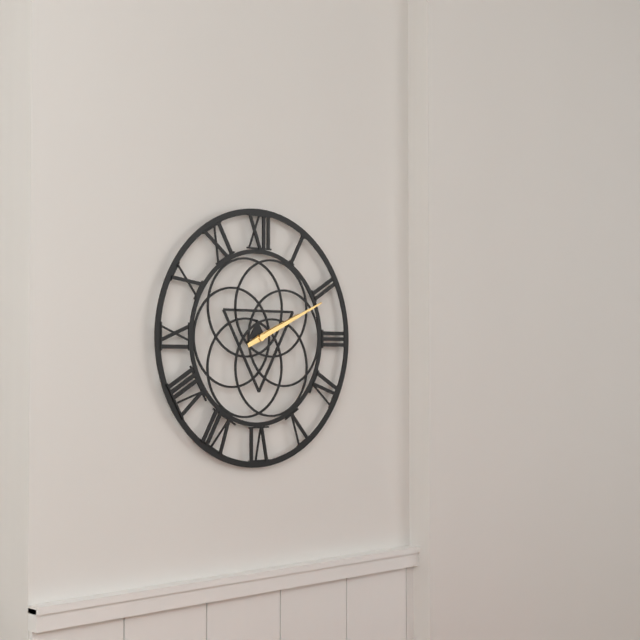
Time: 2h11
